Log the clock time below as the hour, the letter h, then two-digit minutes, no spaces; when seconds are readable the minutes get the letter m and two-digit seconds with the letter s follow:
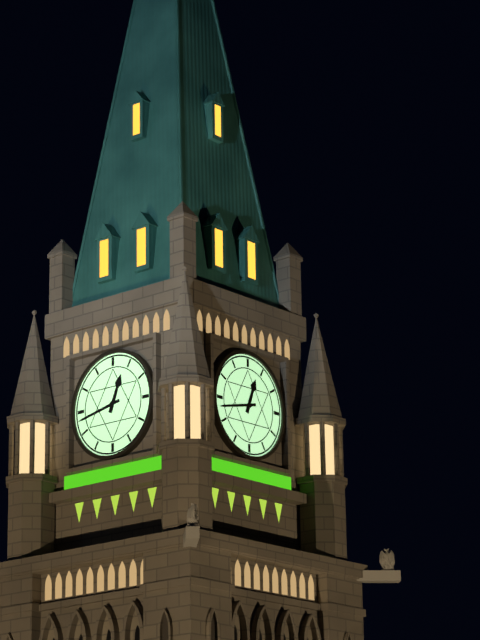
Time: 12h43
